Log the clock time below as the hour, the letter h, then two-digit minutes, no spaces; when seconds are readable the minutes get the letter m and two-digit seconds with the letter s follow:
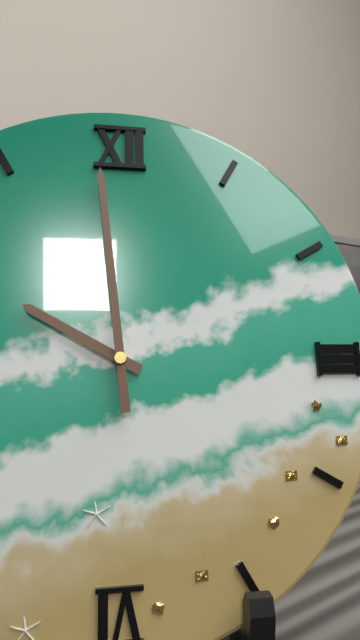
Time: 9h59
